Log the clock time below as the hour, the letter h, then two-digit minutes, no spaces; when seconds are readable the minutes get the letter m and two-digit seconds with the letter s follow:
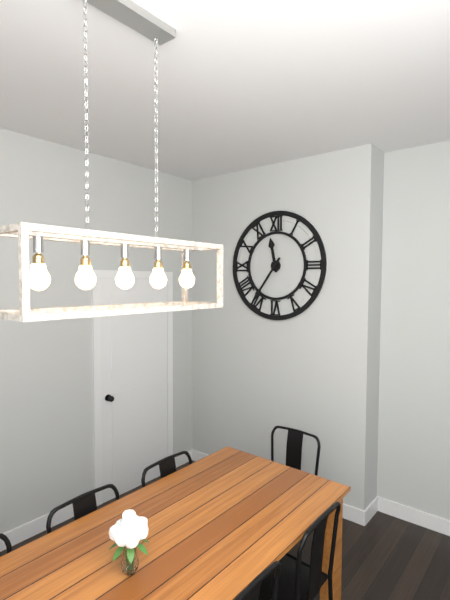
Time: 11h36
